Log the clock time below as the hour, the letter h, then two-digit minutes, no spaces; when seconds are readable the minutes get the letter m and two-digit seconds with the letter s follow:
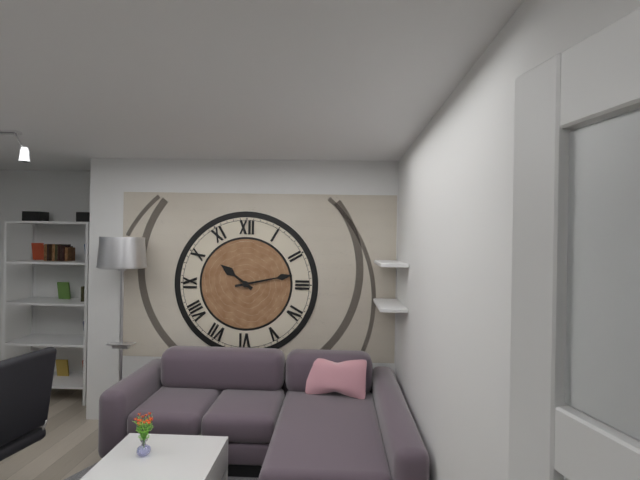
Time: 10h13
